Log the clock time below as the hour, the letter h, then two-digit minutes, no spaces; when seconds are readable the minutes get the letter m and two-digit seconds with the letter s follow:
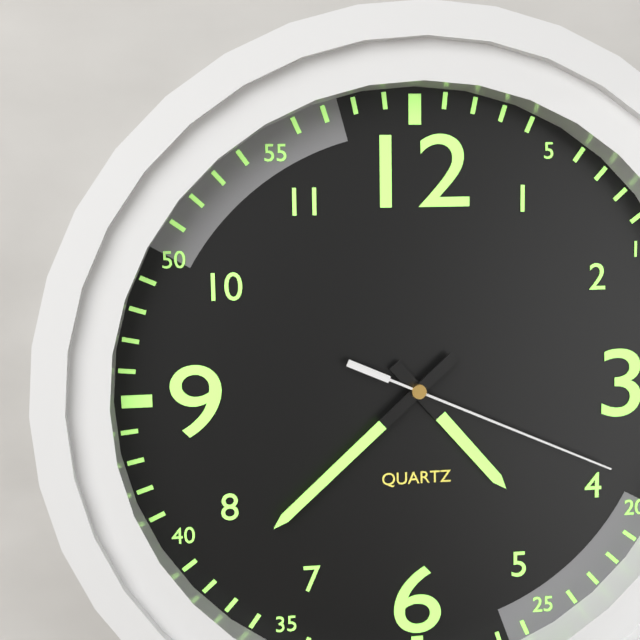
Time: 4h38m19s
